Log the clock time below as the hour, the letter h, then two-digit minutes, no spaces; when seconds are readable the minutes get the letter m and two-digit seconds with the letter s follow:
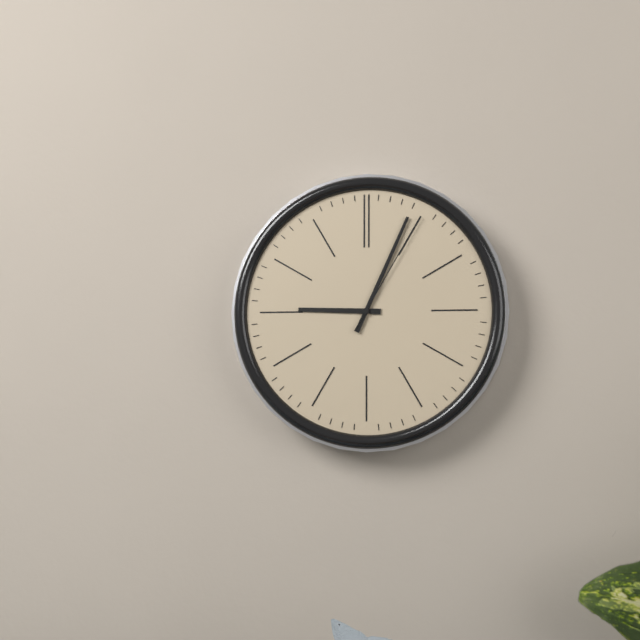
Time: 9h04m05s
